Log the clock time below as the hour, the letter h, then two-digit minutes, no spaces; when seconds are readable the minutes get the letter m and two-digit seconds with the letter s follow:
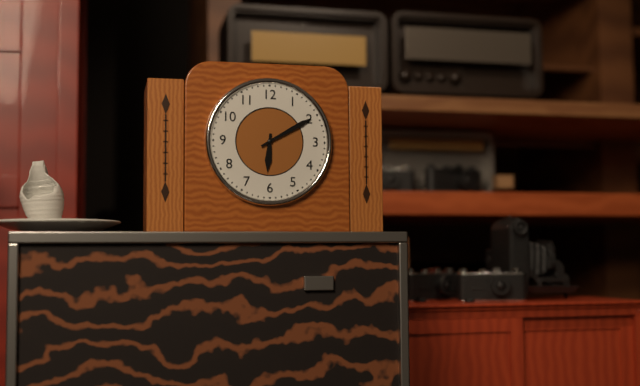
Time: 6h10
